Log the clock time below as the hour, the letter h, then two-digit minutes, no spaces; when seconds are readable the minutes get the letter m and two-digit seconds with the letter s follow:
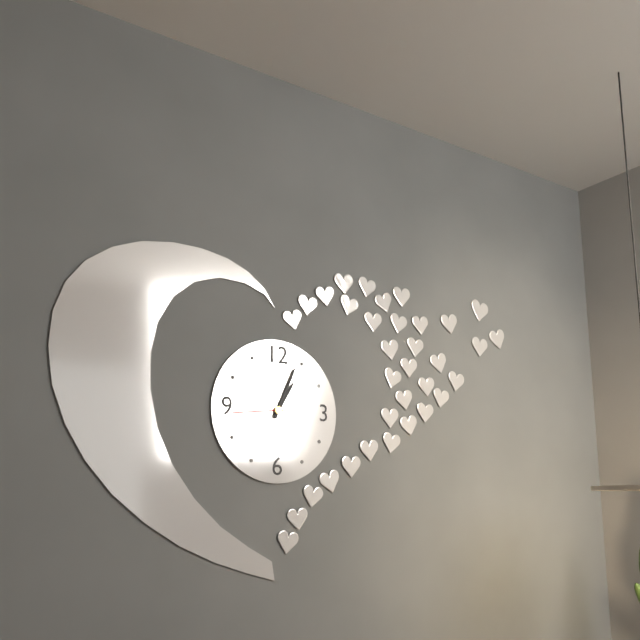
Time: 1h04m44s
